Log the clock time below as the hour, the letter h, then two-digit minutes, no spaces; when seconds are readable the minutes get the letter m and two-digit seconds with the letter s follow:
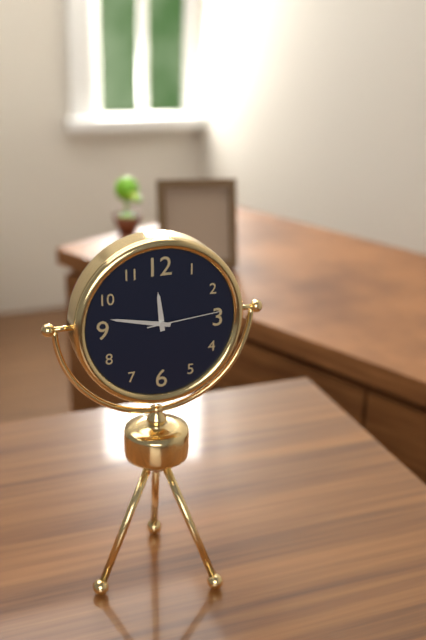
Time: 11h47m14s
